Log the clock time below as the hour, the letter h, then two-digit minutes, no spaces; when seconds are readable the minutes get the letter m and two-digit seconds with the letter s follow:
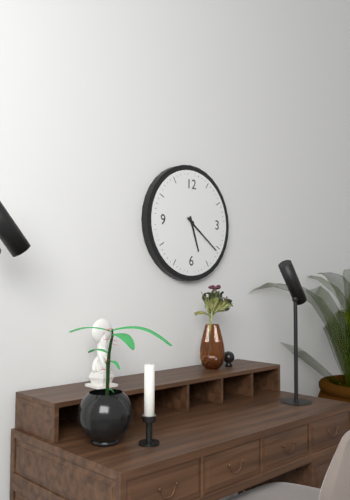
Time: 5h21
